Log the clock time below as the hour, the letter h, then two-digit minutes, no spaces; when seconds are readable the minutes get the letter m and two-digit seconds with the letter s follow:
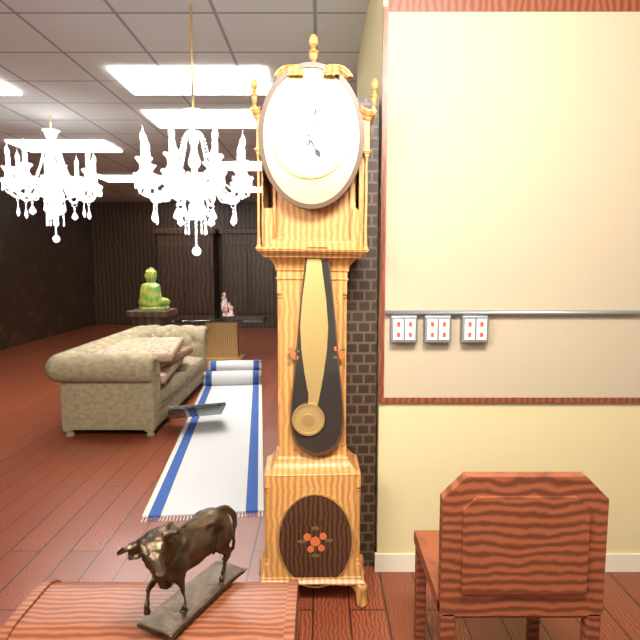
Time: 5h02
